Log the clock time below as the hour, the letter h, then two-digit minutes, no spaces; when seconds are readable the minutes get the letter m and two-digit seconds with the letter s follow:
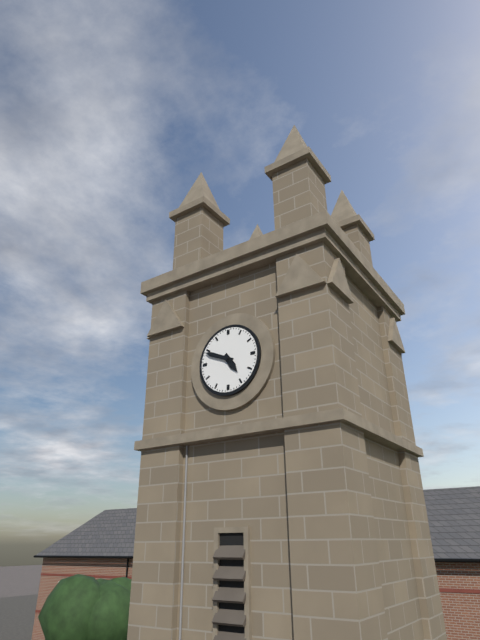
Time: 4h49
